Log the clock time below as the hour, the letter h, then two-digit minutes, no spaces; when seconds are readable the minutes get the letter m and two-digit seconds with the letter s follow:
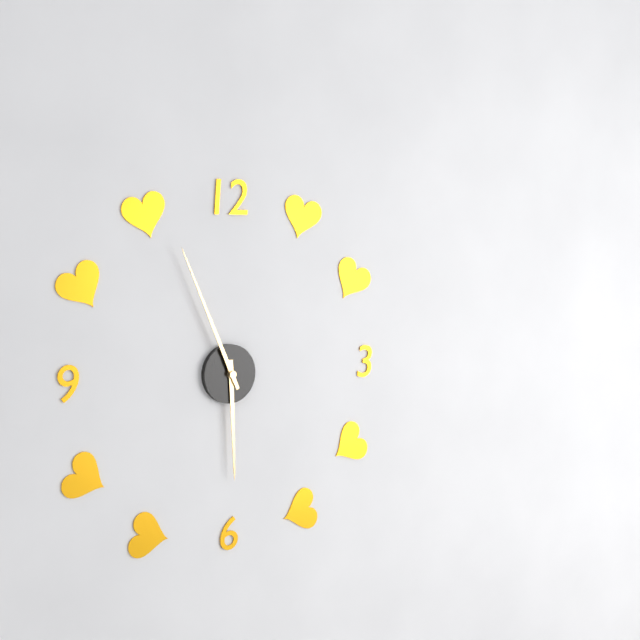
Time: 5h56
